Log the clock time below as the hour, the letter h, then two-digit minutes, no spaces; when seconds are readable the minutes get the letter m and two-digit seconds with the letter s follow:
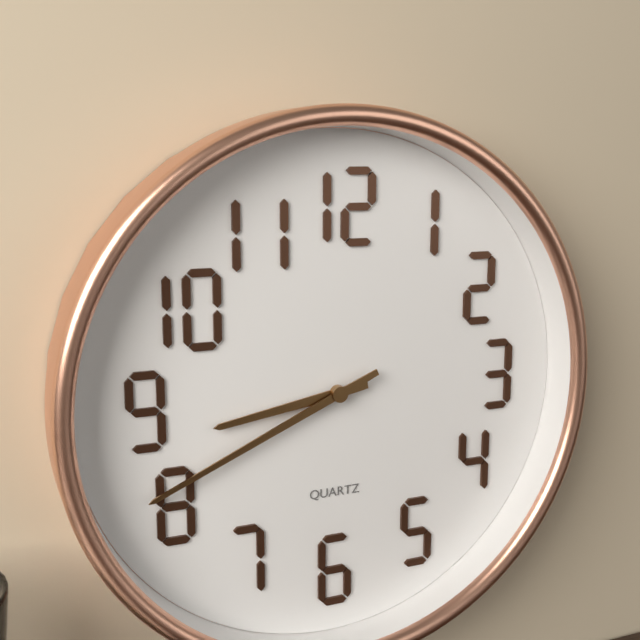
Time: 8h41
